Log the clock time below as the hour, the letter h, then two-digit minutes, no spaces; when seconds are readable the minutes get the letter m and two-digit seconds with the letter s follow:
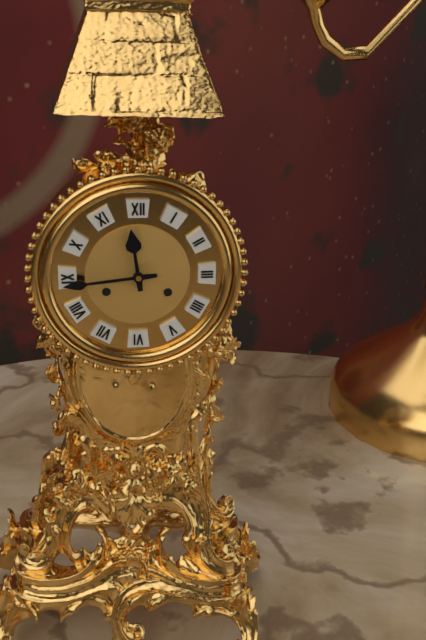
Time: 11h44
